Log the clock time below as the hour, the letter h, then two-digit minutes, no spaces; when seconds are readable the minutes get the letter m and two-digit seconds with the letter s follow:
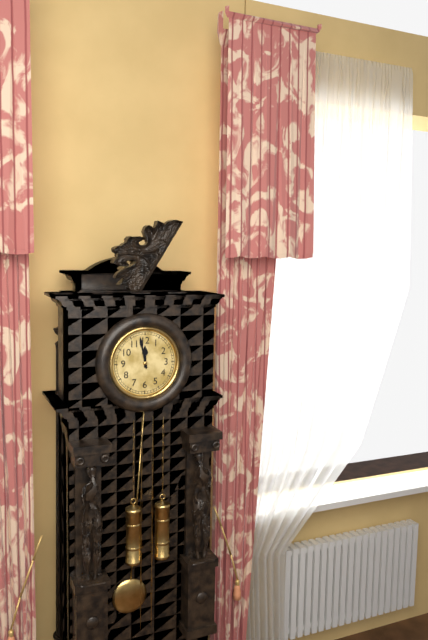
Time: 11h58
